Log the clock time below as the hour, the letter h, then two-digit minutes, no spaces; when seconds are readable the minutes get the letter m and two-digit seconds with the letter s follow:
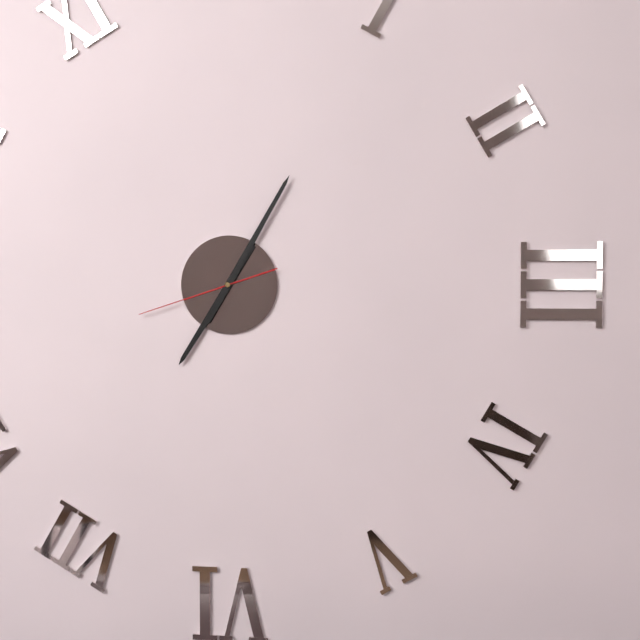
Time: 7h05m42s
